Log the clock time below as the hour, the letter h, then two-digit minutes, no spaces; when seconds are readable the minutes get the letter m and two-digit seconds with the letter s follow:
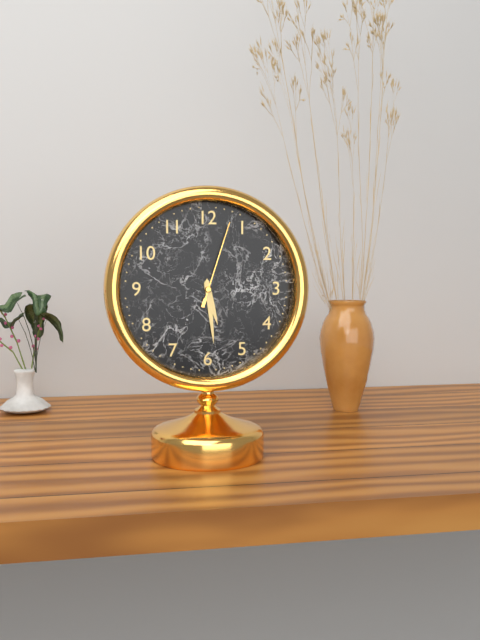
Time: 5h29m03s
